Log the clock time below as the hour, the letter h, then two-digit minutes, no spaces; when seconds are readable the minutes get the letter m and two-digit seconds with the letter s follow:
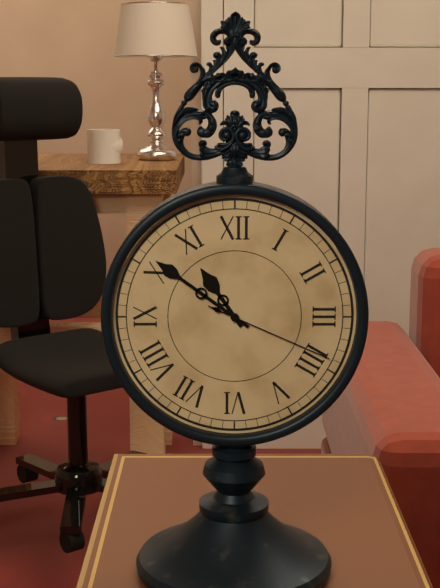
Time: 10h51m19s
